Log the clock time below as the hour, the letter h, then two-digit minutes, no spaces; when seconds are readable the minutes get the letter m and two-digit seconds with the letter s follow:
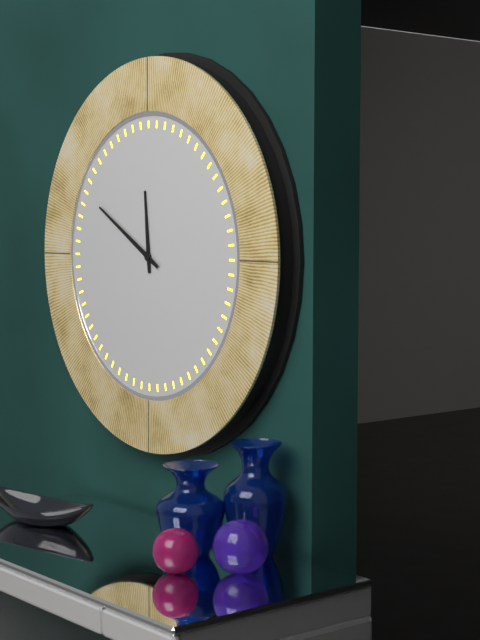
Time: 11h50
